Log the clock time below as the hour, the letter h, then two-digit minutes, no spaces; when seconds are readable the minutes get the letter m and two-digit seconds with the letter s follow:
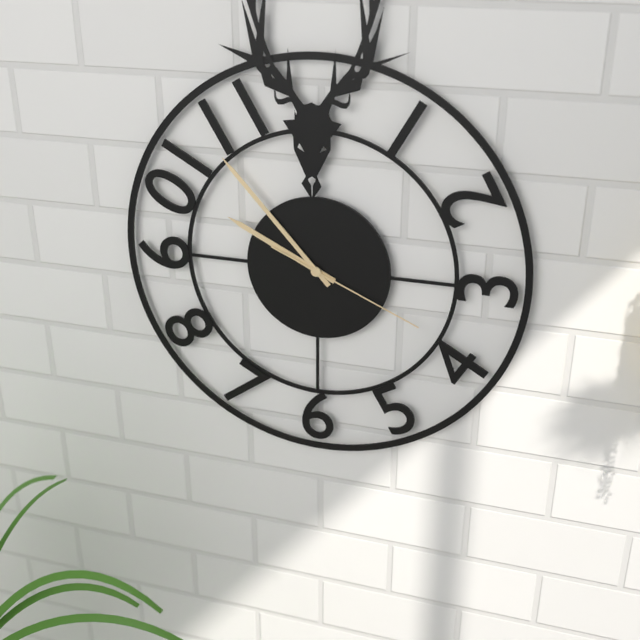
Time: 9h53m19s
